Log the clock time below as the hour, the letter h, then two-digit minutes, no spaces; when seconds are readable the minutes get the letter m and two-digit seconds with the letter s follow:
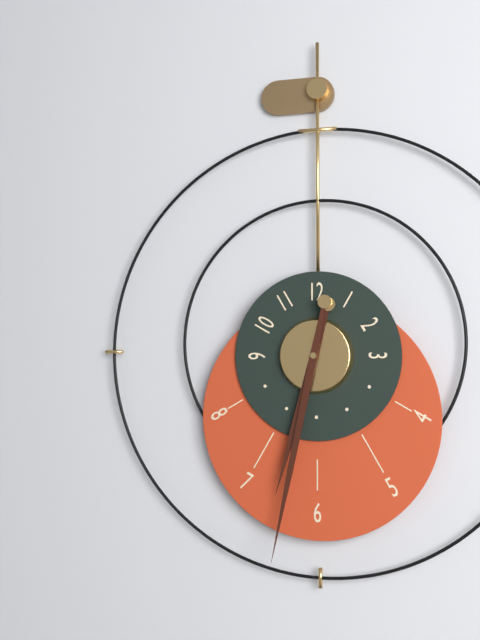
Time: 6h32
